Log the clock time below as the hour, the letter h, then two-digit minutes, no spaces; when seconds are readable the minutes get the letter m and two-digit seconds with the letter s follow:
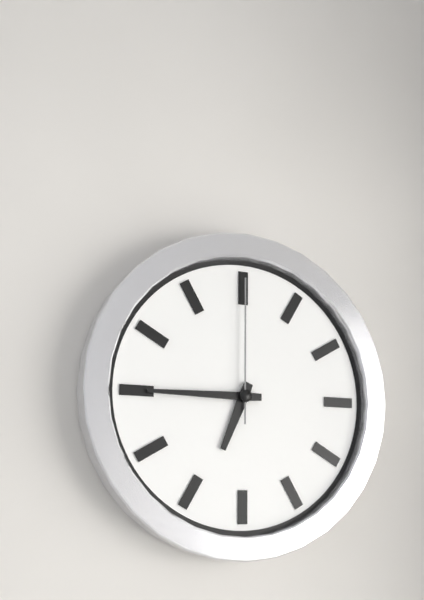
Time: 6h45m00s
